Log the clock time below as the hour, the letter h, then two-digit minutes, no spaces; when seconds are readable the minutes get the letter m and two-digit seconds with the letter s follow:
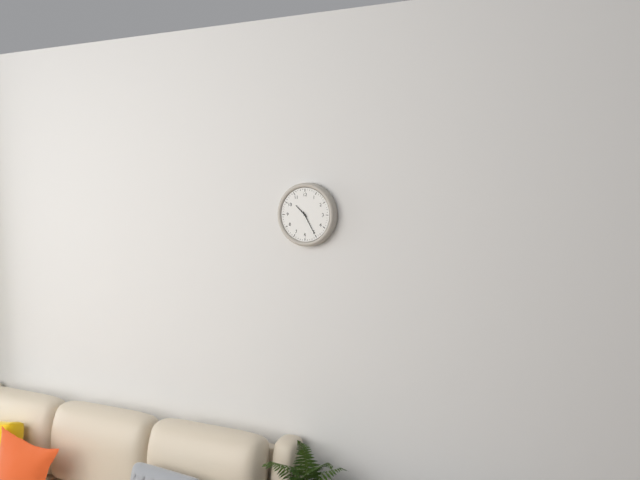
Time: 10h25
